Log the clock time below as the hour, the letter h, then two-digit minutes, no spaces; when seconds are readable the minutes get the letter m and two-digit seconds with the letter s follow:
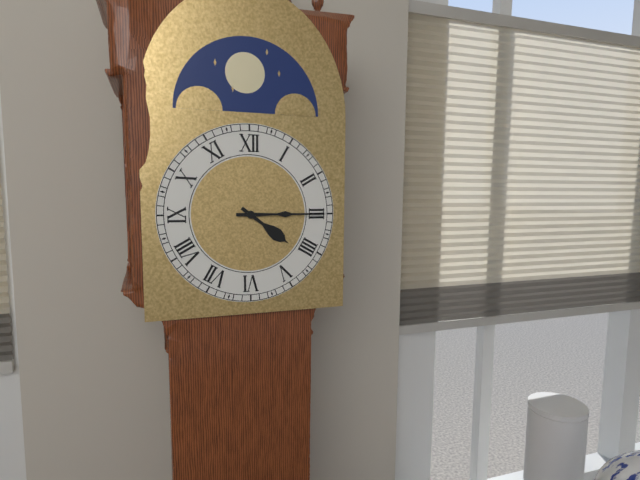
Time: 4h15
